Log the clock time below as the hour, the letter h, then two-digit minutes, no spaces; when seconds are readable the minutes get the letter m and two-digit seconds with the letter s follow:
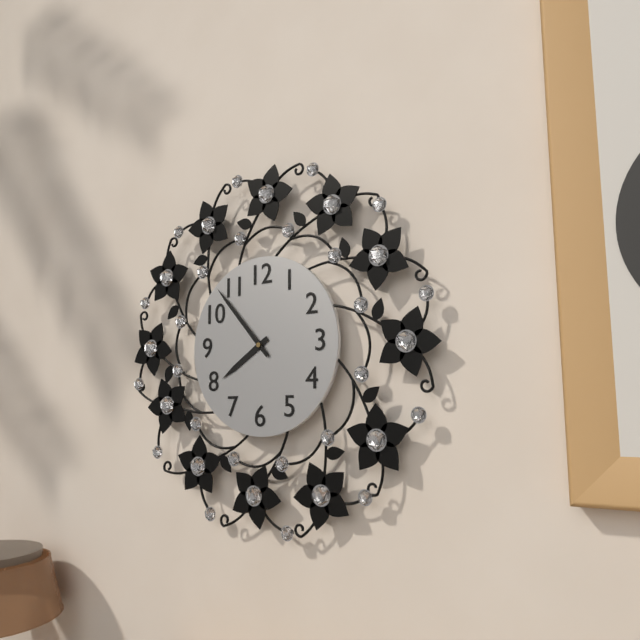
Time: 7h53
